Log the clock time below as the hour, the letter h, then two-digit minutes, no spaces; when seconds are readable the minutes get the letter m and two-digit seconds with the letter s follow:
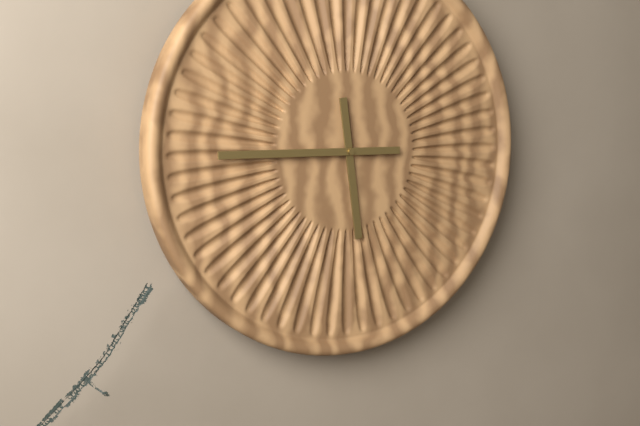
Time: 5h45
